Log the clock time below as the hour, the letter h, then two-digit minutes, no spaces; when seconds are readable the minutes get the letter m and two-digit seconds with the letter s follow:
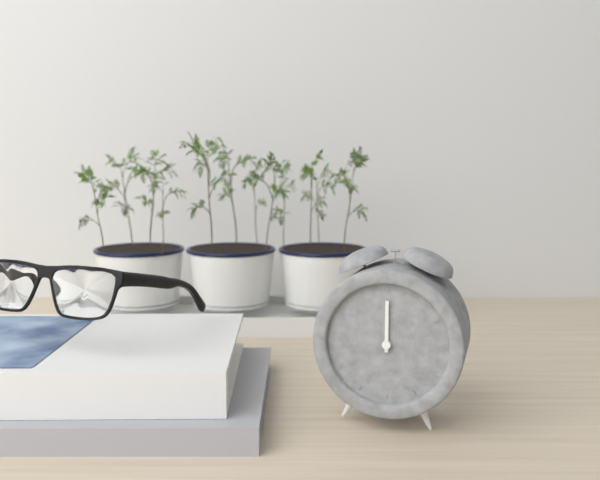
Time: 12h00
